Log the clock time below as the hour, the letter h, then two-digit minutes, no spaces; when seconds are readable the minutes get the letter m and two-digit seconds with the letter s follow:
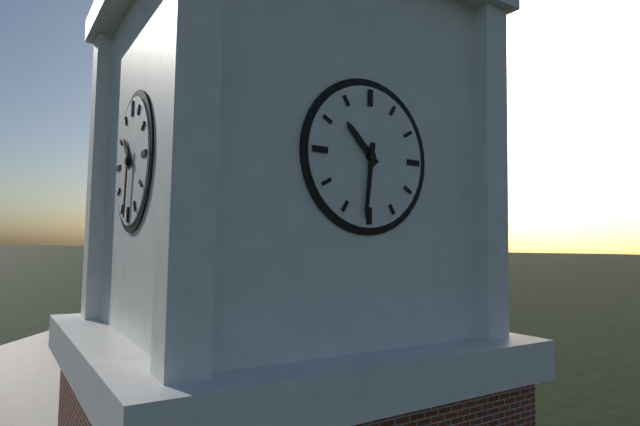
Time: 10h31
